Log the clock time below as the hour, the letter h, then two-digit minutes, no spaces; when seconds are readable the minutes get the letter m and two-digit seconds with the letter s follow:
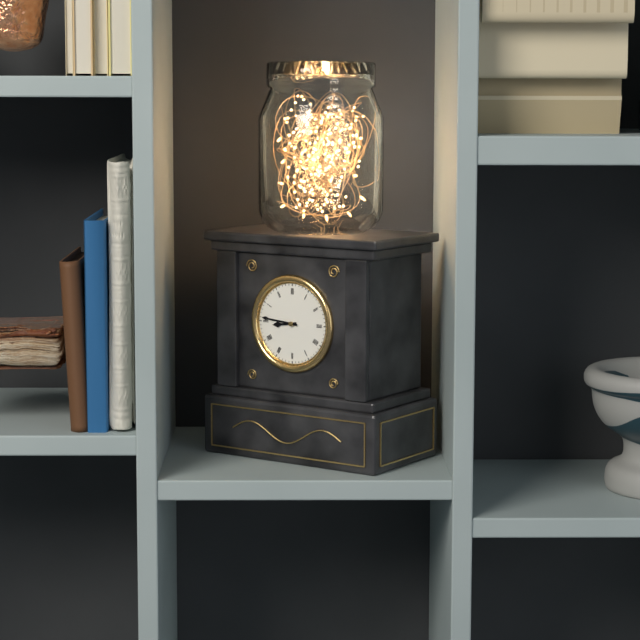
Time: 8h46
